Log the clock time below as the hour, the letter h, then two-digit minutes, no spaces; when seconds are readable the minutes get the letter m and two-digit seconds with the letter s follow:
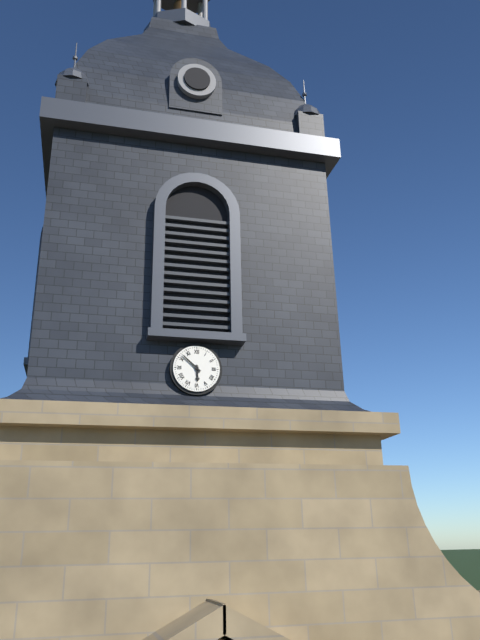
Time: 5h52
